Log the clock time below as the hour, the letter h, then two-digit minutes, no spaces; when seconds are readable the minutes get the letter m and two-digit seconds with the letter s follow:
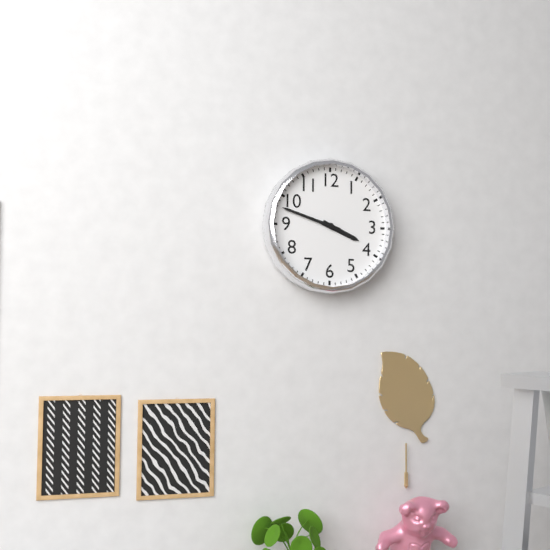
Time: 3h48
